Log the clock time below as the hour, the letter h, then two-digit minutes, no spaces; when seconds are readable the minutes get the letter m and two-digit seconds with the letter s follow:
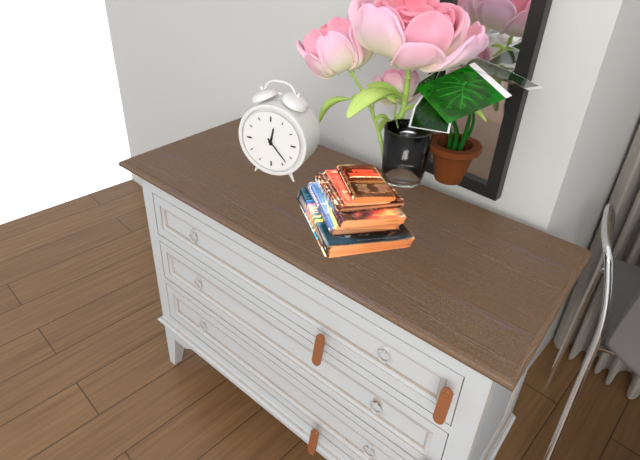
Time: 12h23
